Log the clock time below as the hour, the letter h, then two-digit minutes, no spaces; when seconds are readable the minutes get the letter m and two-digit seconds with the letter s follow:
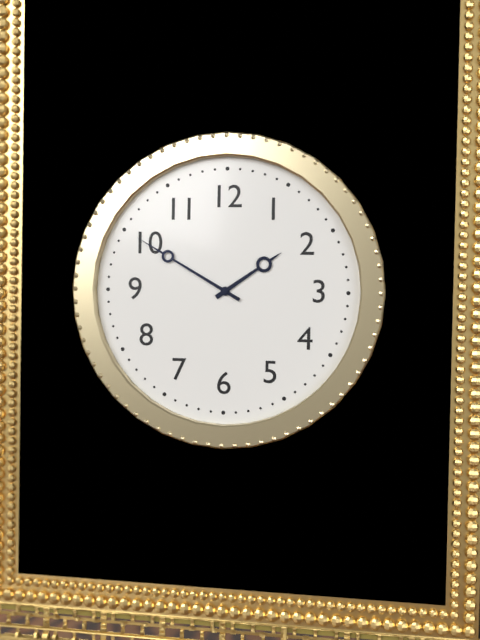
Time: 1h50
